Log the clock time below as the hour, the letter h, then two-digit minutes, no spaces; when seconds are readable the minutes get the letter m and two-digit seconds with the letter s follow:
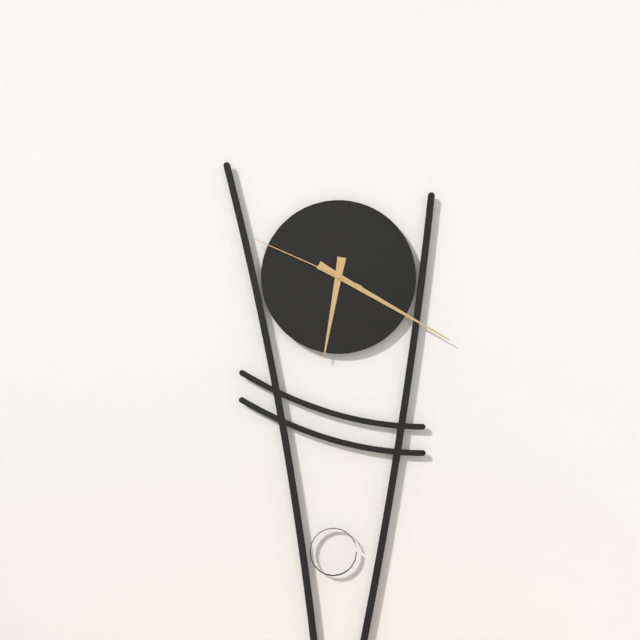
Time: 6h20m49s
